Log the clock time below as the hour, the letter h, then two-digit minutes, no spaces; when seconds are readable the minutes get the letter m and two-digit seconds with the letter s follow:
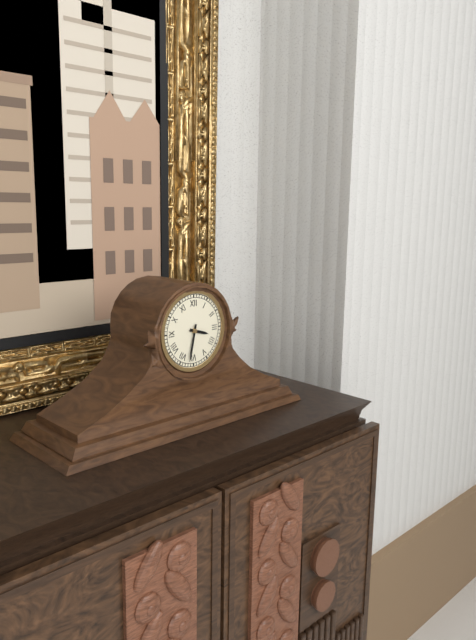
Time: 3h32
